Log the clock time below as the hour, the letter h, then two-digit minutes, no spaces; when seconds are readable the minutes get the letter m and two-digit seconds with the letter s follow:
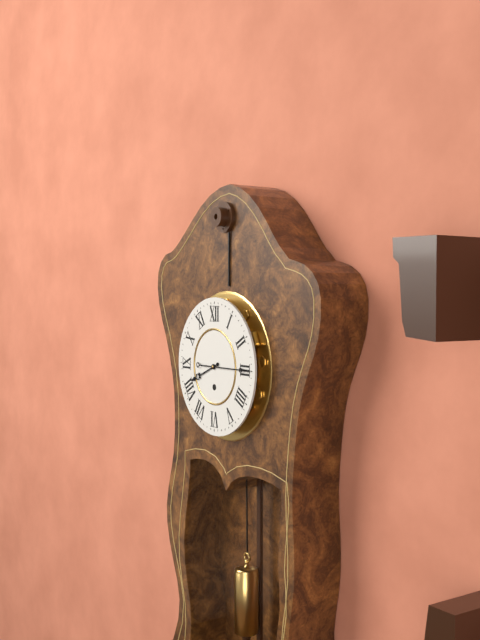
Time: 8h15
